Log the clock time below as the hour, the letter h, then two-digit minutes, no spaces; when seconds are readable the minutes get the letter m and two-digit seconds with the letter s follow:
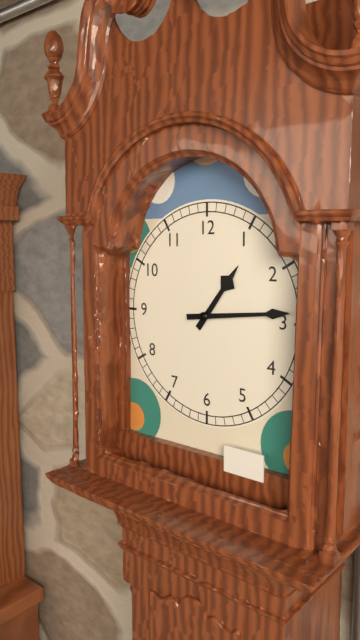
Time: 1h14
